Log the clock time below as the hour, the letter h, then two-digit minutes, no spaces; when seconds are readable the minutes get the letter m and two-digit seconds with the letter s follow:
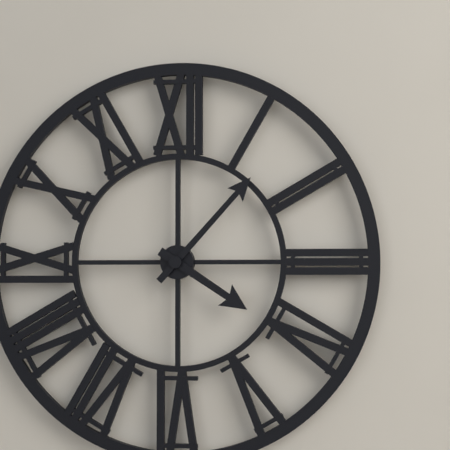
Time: 4h07
